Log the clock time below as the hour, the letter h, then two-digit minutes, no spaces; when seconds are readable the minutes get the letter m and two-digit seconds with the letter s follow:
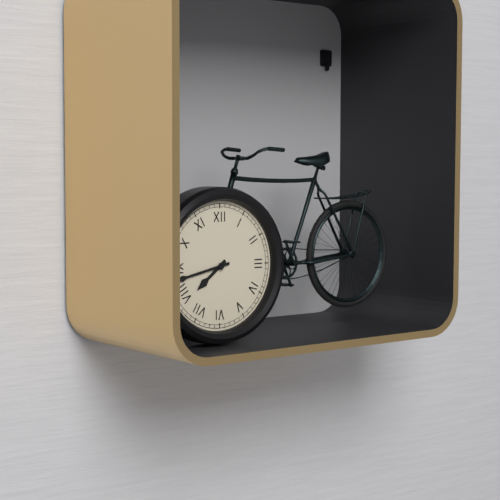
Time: 7h43
